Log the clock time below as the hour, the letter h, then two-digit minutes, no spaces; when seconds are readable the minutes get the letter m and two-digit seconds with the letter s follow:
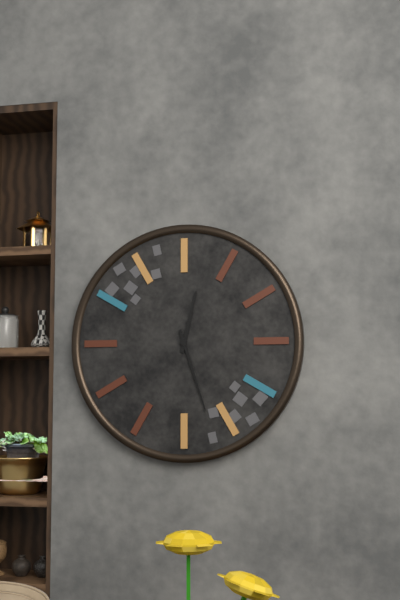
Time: 12h27
